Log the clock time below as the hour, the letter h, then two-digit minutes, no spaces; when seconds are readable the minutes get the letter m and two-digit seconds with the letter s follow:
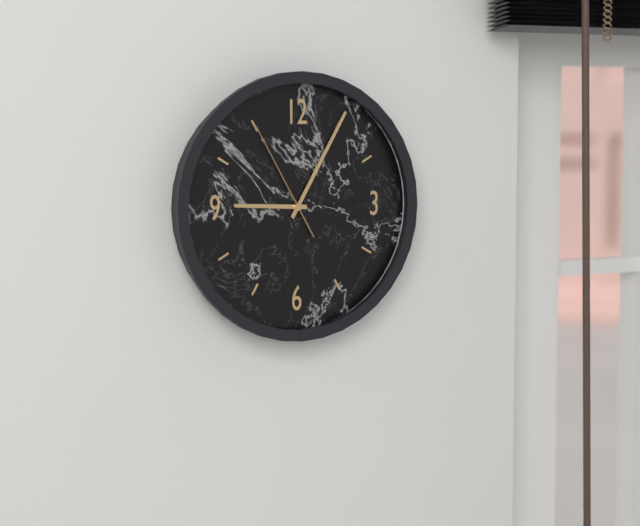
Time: 9h05m55s
